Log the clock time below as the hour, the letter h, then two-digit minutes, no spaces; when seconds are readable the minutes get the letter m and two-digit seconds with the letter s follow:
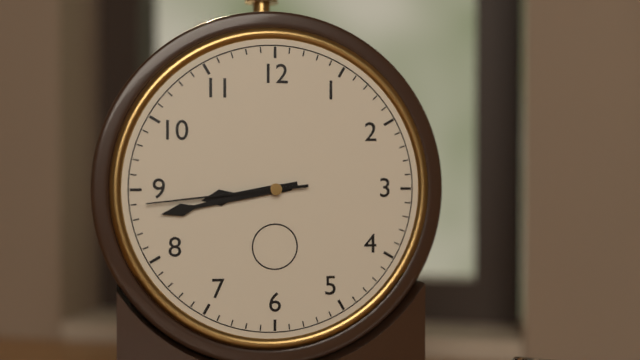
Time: 8h43m44s
